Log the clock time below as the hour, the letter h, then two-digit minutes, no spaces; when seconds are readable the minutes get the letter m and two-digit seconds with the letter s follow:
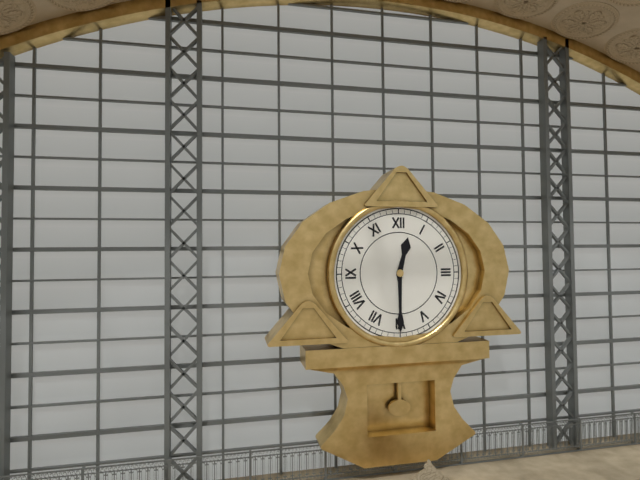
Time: 12h30
